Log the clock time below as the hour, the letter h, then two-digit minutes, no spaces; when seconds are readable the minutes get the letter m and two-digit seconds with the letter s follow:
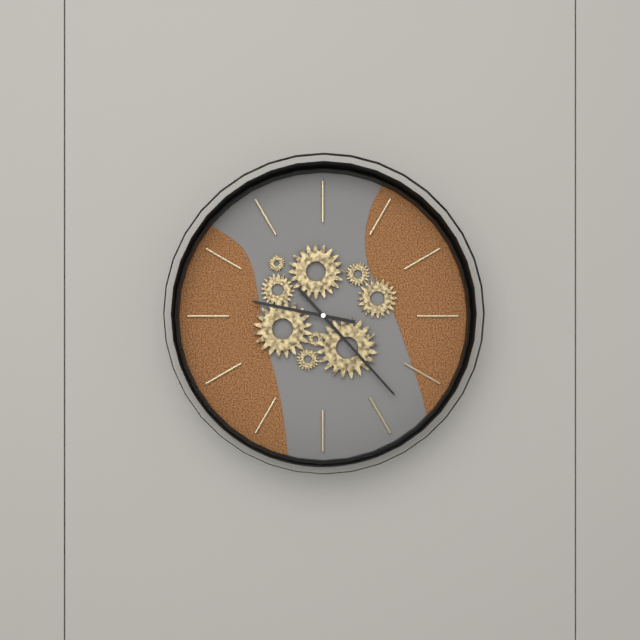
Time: 9h23
